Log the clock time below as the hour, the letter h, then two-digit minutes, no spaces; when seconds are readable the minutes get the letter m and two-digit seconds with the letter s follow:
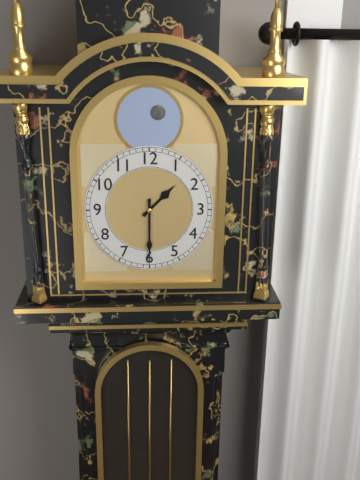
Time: 1h30
